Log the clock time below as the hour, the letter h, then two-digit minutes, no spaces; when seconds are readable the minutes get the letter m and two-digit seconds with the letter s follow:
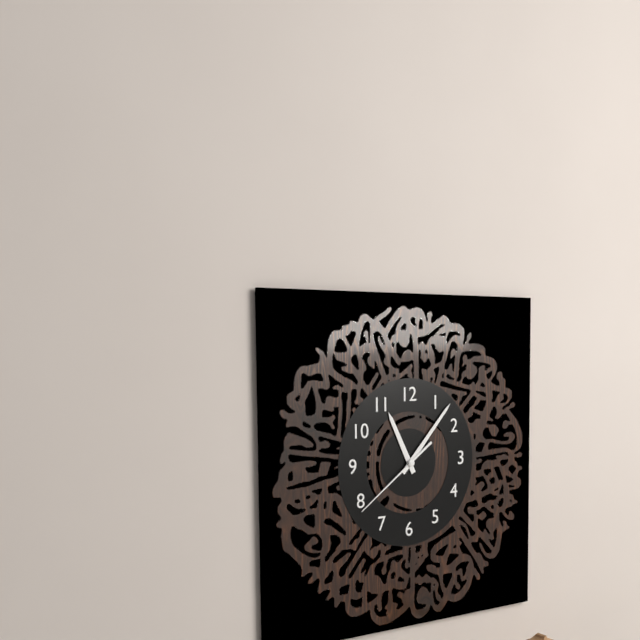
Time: 11h07m39s
